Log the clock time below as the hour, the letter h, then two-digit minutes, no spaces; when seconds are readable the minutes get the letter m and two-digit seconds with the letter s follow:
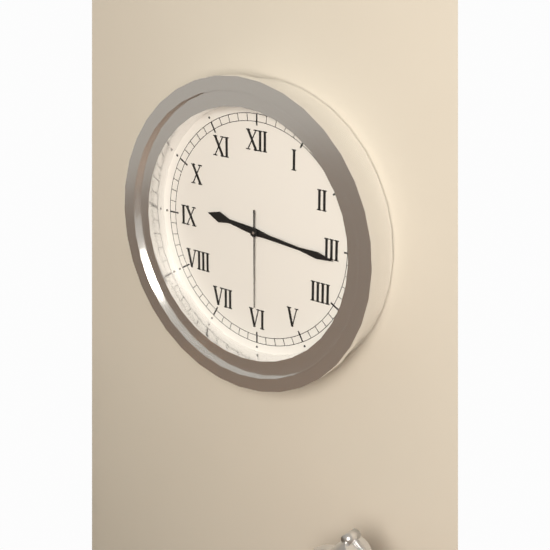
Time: 9h16m30s
